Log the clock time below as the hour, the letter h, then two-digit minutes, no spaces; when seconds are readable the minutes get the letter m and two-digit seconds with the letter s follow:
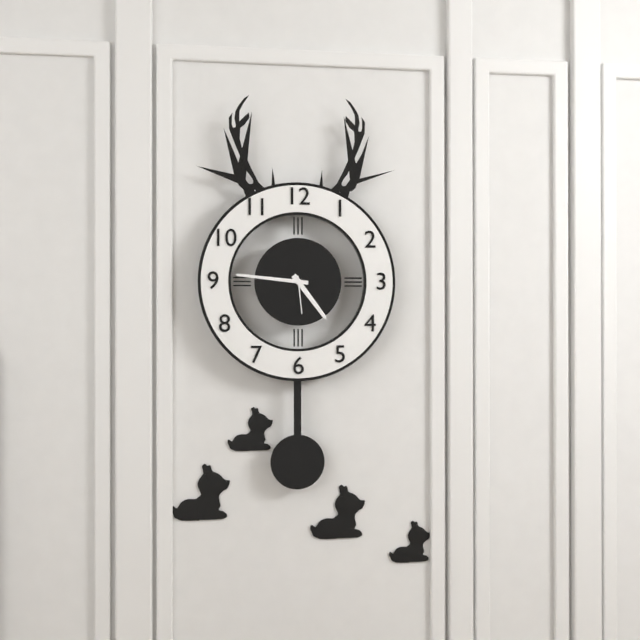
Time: 4h46
